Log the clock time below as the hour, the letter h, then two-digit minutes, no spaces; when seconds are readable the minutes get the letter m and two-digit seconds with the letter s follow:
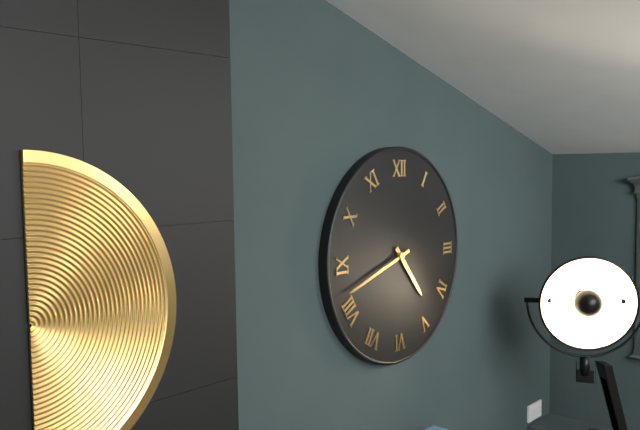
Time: 4h42
